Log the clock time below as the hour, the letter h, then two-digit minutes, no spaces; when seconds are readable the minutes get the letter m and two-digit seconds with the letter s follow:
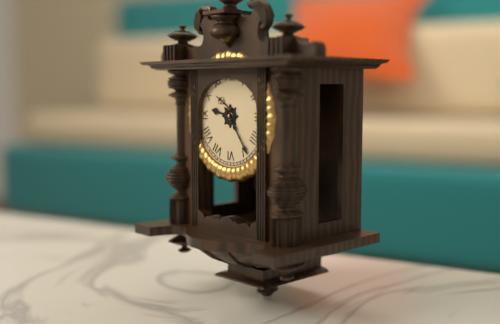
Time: 9h24
